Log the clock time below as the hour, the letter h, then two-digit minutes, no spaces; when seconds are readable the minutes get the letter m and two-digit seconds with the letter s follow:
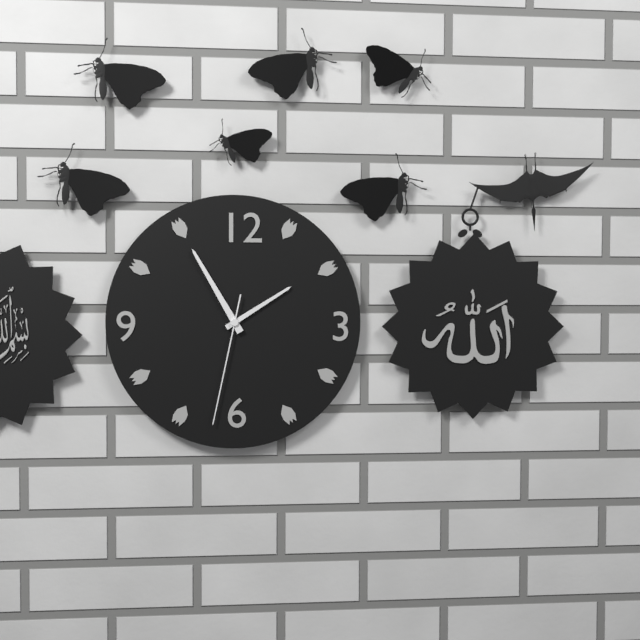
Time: 1h55m32s
